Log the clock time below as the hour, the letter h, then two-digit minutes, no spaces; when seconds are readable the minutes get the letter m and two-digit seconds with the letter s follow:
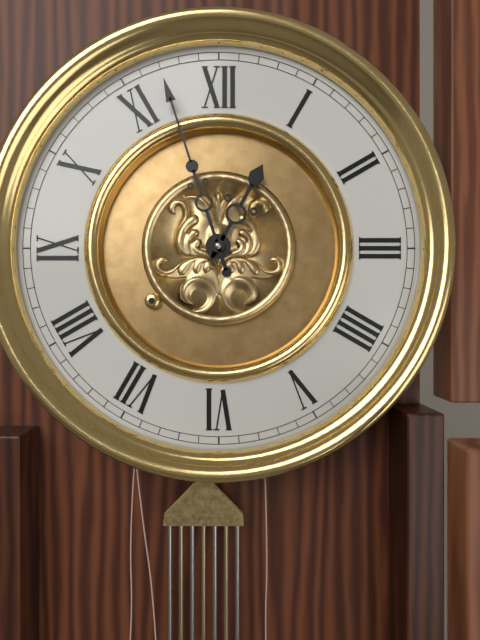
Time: 12h57
